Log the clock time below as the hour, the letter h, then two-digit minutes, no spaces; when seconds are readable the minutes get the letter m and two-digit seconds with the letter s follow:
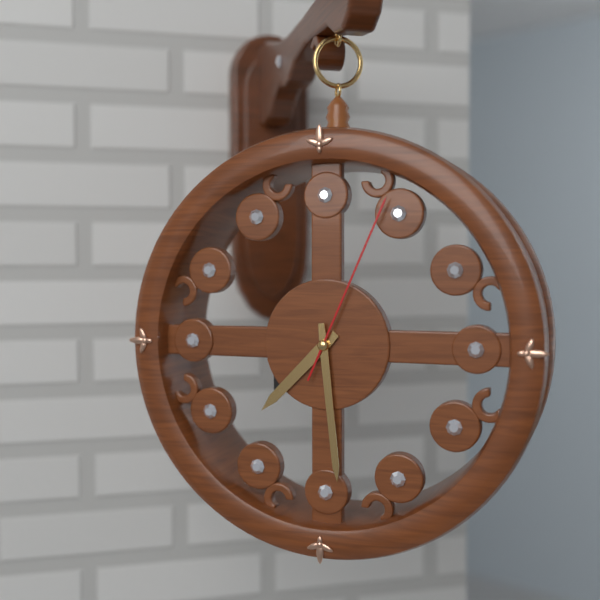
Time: 7h29m04s
